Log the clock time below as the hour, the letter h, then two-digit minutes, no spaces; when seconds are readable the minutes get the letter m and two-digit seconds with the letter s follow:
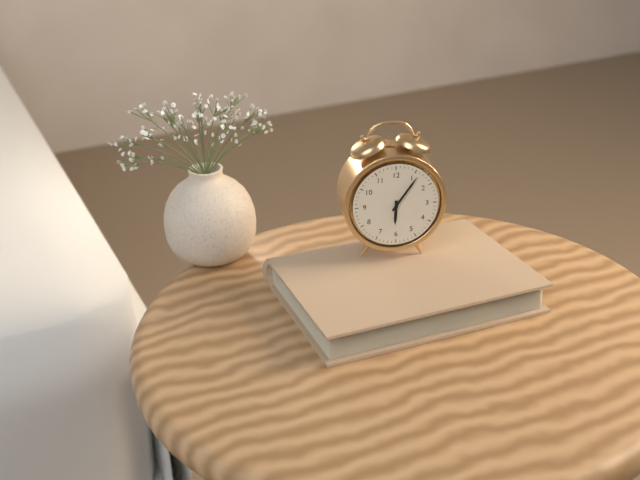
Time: 6h06
